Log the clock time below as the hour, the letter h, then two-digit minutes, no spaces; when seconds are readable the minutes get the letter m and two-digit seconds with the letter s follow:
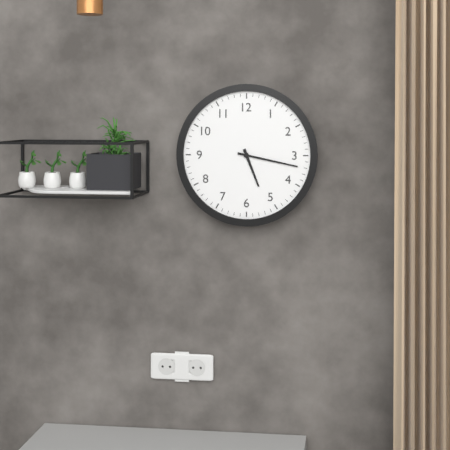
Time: 5h17
